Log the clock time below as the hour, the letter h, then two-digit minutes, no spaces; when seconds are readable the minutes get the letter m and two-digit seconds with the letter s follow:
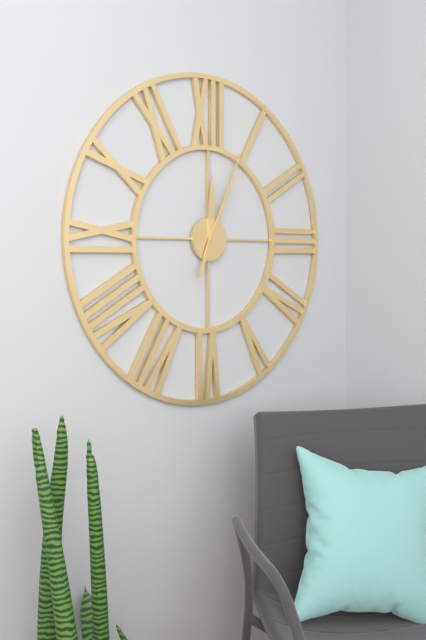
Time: 12h04
